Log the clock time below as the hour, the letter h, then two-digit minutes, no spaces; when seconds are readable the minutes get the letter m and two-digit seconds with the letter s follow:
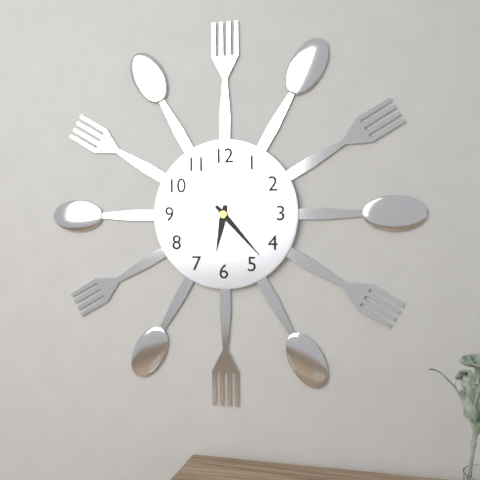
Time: 6h23
